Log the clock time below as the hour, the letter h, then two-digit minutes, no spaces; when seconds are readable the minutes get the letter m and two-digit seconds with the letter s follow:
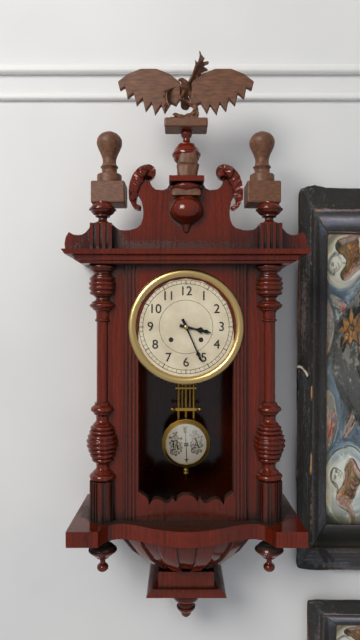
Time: 3h26
